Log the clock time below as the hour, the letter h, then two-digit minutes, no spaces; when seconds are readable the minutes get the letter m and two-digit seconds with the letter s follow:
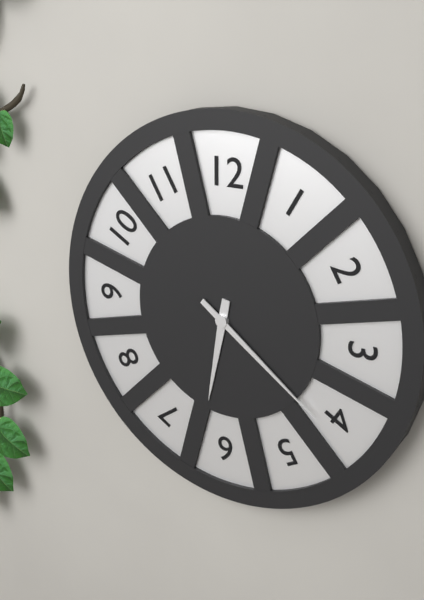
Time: 6h21
